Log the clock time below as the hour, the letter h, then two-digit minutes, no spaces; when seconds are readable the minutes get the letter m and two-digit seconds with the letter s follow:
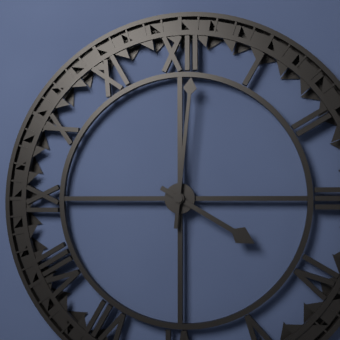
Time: 4h01
